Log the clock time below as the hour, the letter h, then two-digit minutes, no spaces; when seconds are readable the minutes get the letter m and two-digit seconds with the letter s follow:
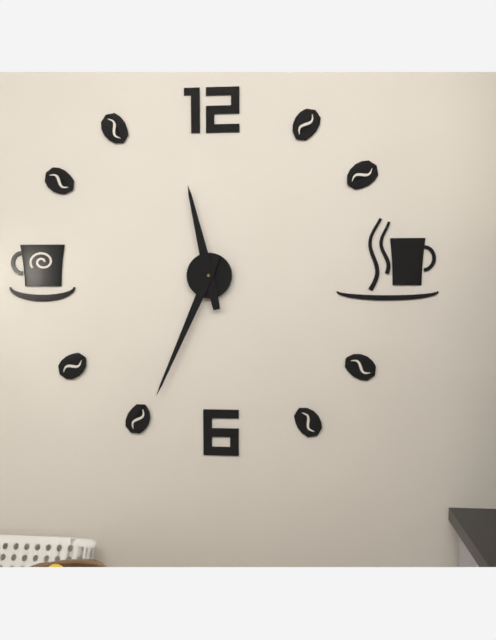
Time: 11h34
